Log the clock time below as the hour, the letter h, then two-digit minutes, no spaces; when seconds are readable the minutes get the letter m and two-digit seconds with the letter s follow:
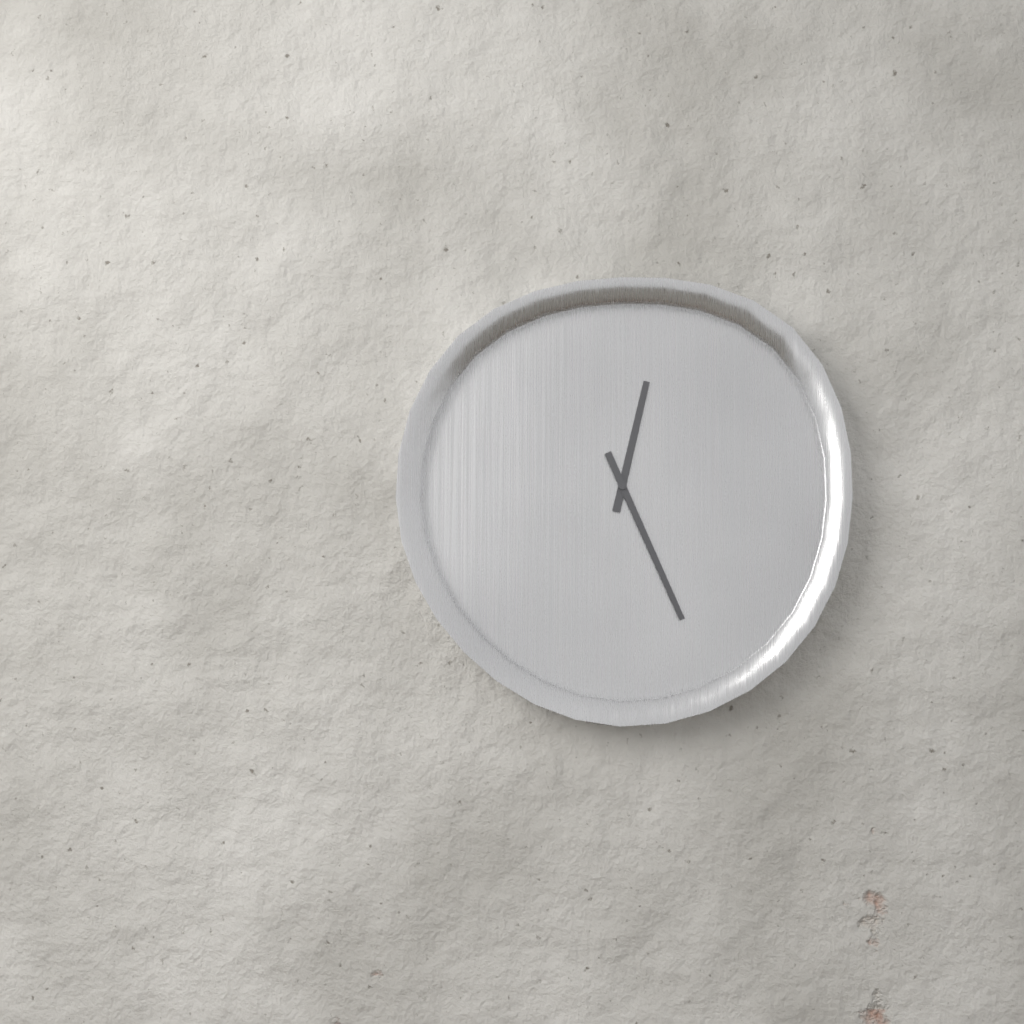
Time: 12h26
